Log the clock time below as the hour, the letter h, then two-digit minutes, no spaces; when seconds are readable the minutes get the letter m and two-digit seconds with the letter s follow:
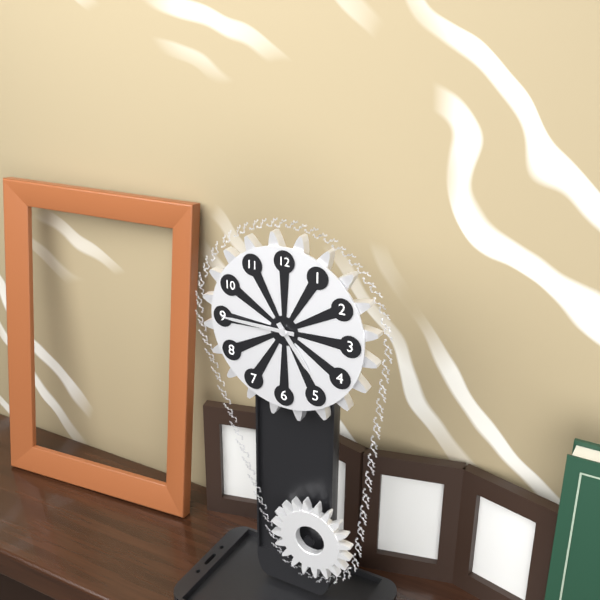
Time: 4h45
